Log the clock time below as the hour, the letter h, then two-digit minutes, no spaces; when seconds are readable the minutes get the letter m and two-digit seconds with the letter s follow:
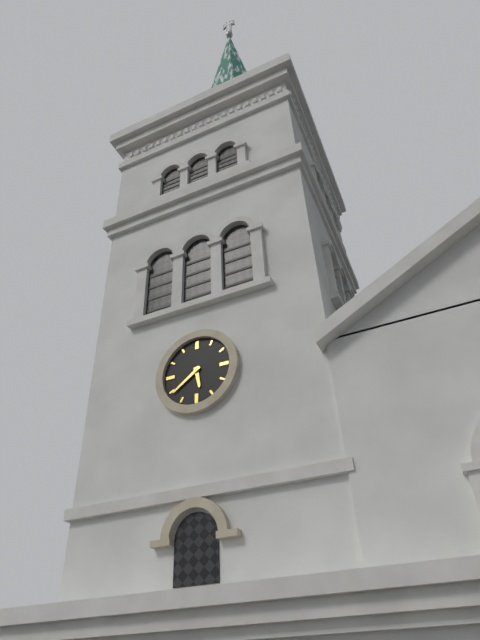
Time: 5h39
